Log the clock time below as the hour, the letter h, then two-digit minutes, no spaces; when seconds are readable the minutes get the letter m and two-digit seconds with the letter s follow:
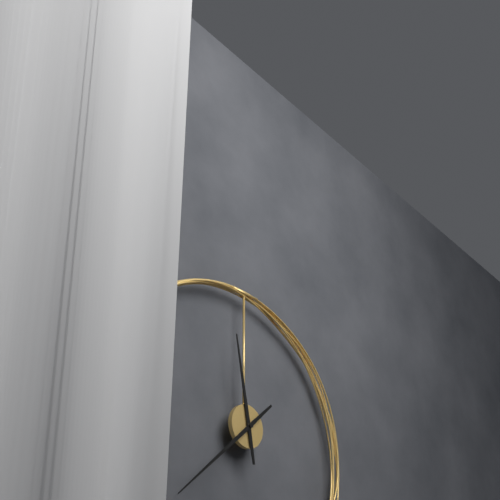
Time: 11h38
